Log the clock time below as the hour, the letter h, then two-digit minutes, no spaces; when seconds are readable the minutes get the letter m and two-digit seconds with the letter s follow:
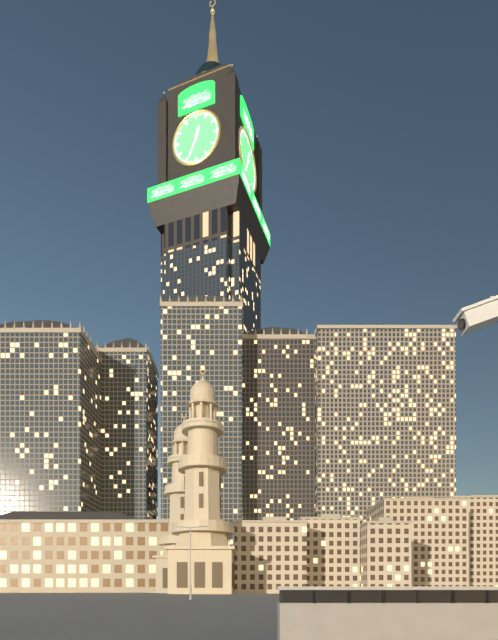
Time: 12h34
